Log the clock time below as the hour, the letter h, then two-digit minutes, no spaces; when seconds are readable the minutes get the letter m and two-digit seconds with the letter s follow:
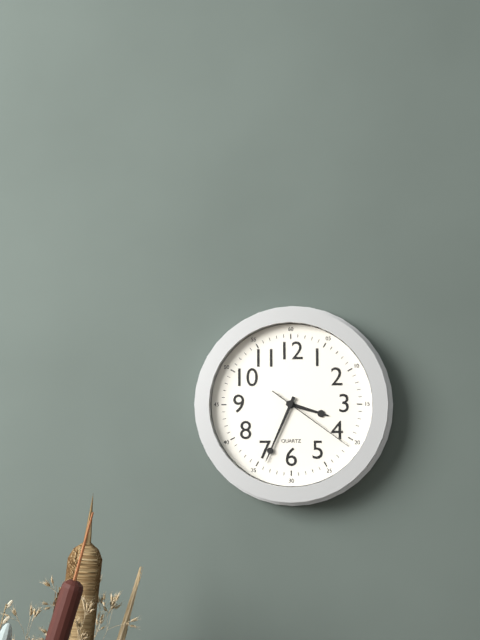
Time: 3h34m21s
